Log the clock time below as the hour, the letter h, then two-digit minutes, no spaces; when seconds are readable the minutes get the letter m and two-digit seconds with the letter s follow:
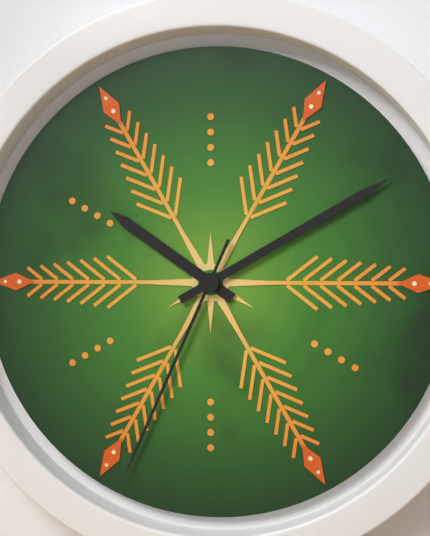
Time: 10h10m34s
